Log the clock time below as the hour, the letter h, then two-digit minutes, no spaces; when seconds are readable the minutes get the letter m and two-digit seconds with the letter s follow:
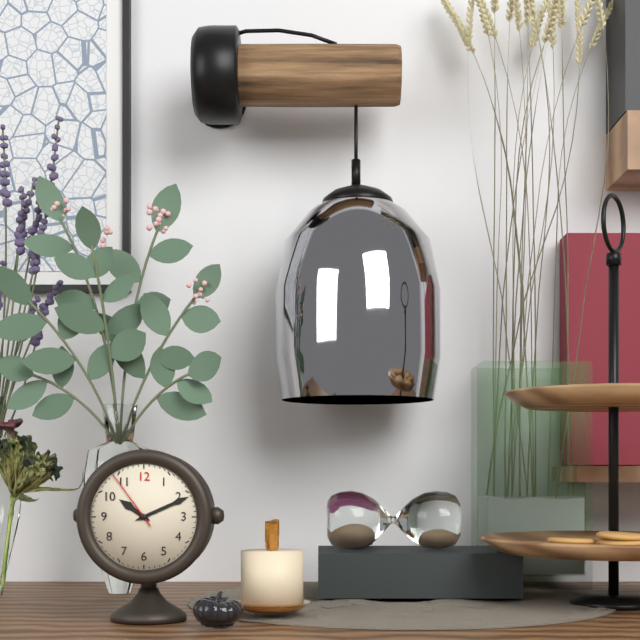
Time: 10h11m54s
